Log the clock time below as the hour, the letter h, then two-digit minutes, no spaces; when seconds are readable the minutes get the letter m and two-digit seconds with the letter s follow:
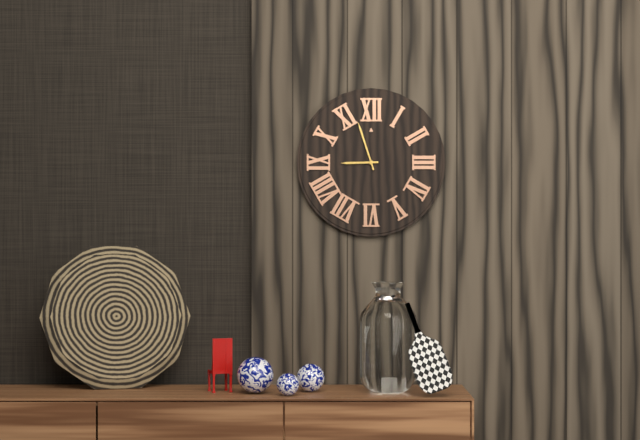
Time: 8h57
